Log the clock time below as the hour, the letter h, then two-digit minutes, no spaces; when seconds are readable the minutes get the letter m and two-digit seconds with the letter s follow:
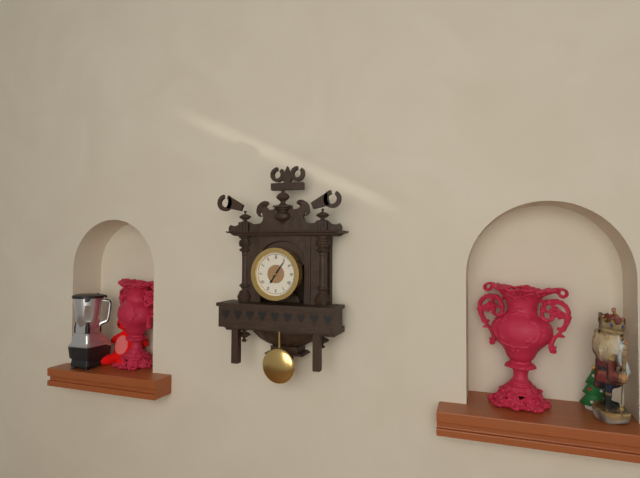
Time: 7h06
